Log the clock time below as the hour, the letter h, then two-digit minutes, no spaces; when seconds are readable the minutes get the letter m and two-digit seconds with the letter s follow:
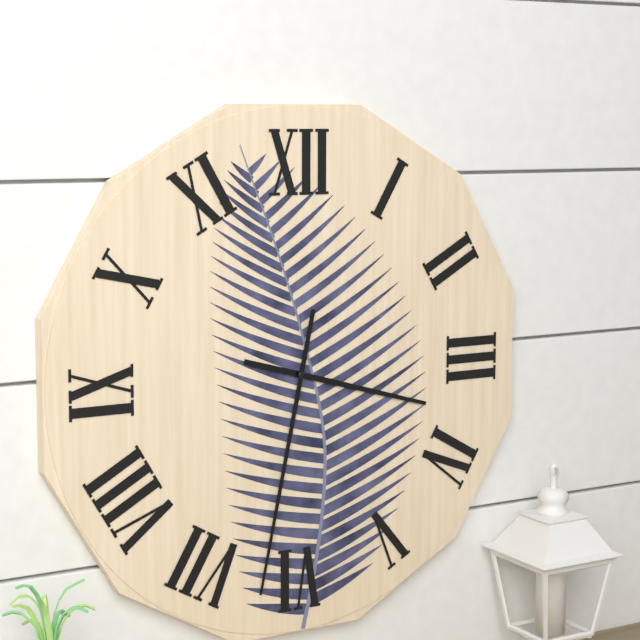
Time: 3h32
